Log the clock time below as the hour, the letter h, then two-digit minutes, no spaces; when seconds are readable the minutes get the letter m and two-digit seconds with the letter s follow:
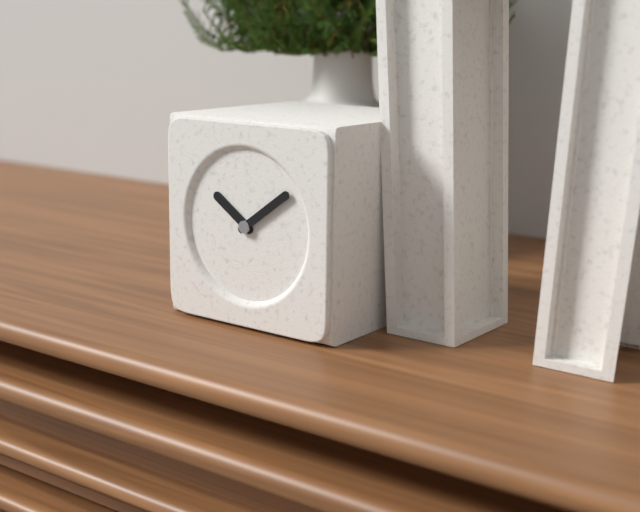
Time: 10h09
